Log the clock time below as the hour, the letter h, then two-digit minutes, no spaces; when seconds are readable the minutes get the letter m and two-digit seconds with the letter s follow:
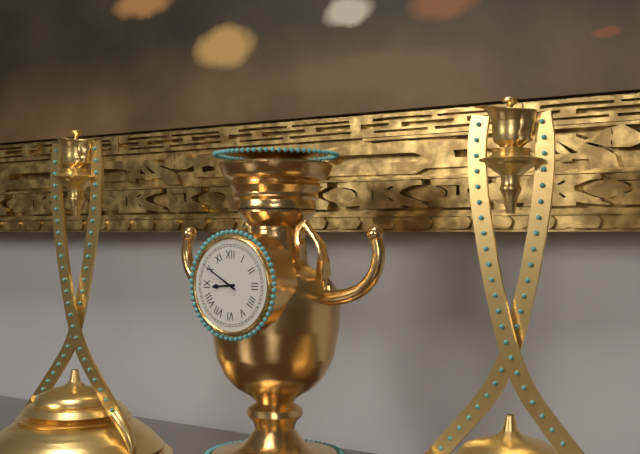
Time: 8h50
